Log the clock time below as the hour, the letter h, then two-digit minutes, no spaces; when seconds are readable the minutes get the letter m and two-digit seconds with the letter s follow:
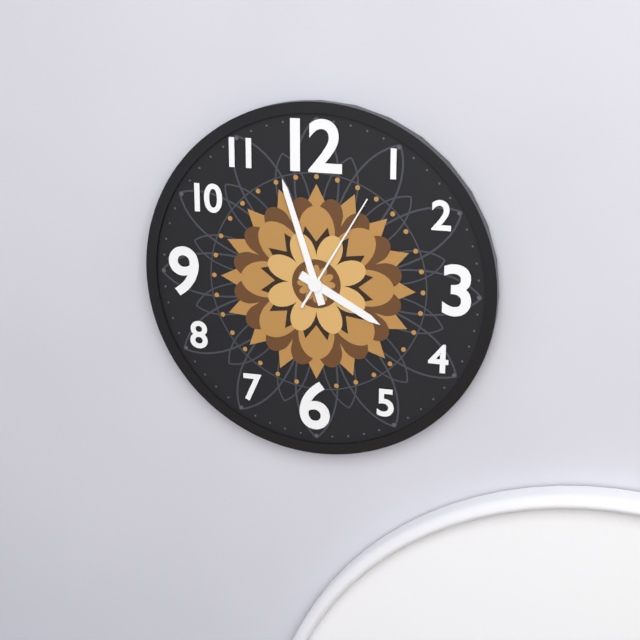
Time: 3h57m05s
